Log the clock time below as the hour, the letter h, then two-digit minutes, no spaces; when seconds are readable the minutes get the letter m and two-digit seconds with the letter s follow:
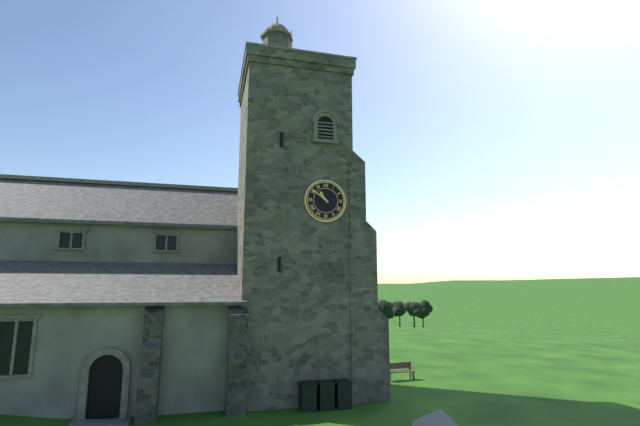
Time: 10h51
